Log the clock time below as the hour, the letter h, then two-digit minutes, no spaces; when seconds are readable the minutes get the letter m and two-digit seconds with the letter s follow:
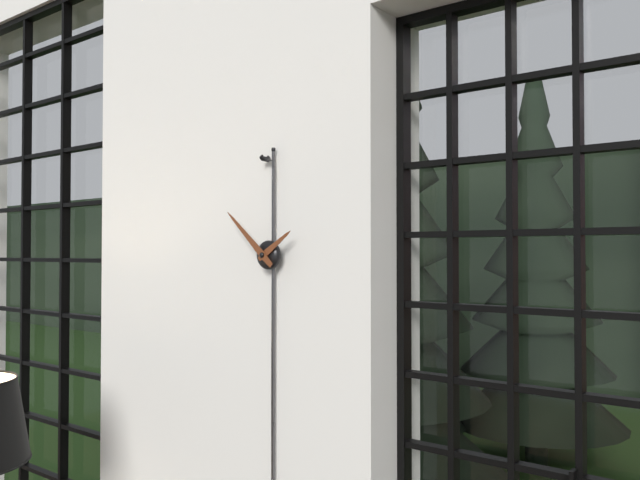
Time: 1h52
